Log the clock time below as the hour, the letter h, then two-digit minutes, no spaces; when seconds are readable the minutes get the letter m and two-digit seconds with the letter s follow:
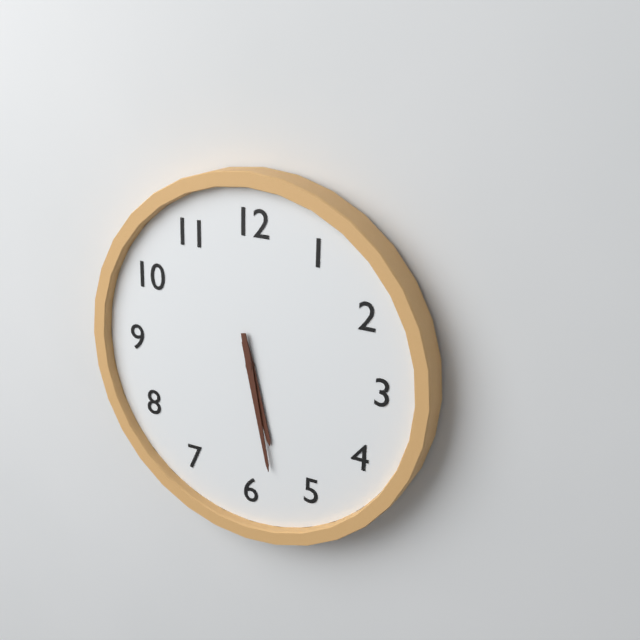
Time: 5h28
